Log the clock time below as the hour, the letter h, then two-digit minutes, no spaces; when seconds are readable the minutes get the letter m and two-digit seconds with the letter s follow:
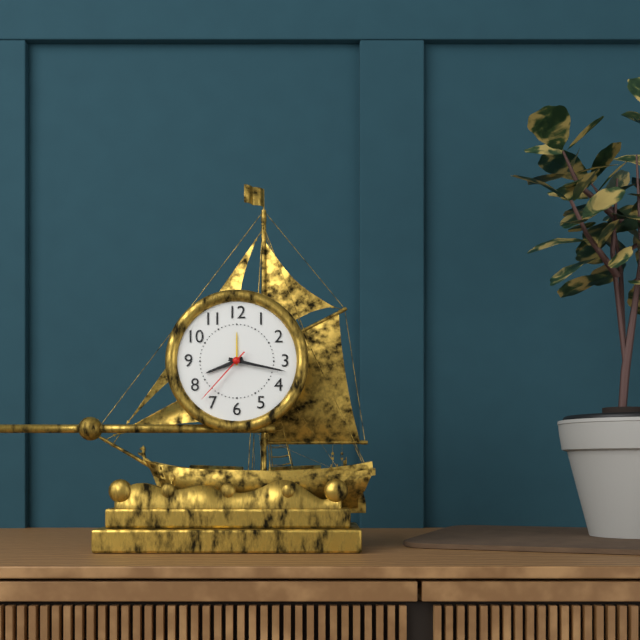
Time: 8h17m37s
